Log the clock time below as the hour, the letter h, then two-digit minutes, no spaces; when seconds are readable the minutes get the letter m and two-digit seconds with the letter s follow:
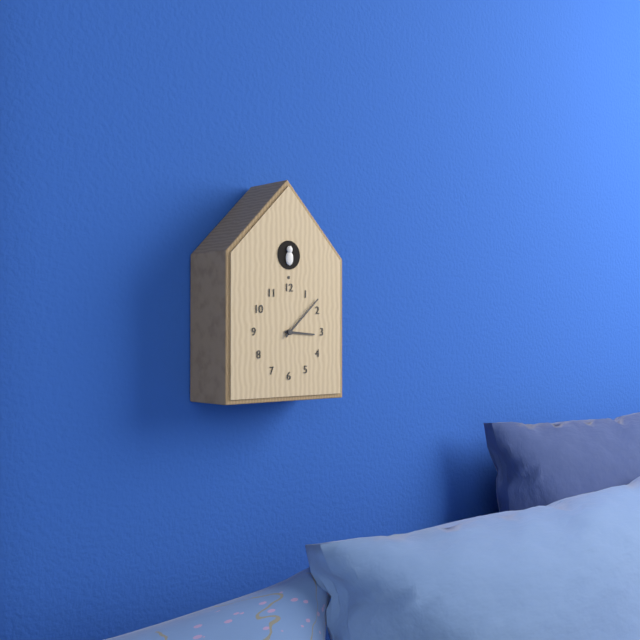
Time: 3h08
